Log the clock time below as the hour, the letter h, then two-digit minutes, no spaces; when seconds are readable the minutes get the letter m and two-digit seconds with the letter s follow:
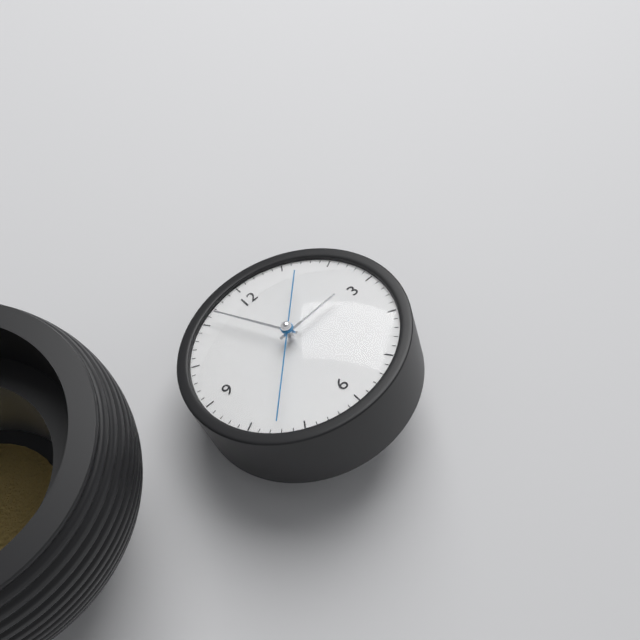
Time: 2h56m37s
